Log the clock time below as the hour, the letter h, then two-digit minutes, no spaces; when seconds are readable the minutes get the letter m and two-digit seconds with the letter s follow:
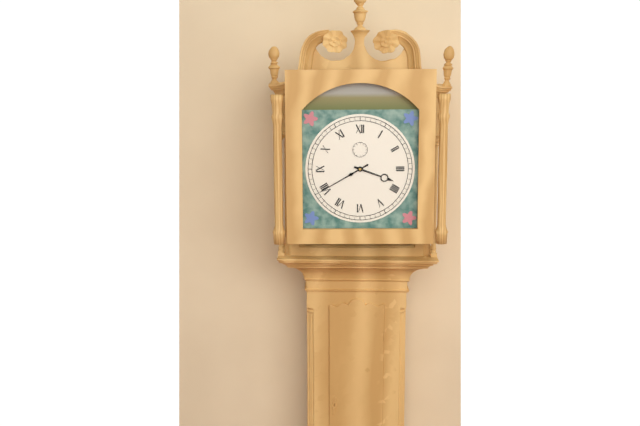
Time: 3h40
